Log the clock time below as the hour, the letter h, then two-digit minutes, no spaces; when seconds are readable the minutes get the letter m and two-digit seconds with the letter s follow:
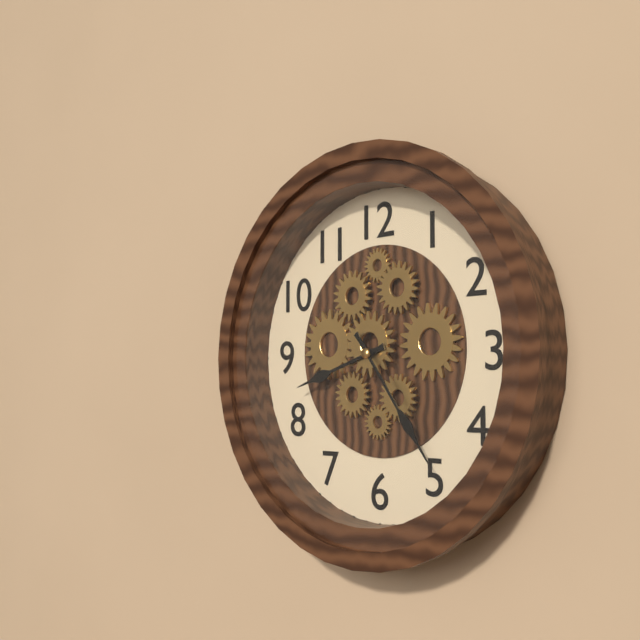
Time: 8h24
